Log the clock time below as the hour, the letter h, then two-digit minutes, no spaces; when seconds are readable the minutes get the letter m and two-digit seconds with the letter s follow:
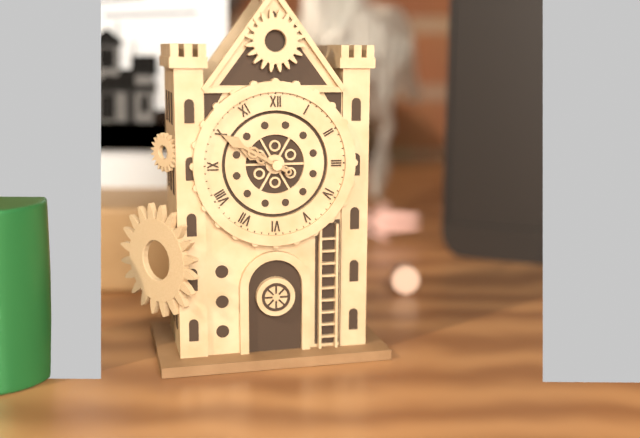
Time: 9h50
